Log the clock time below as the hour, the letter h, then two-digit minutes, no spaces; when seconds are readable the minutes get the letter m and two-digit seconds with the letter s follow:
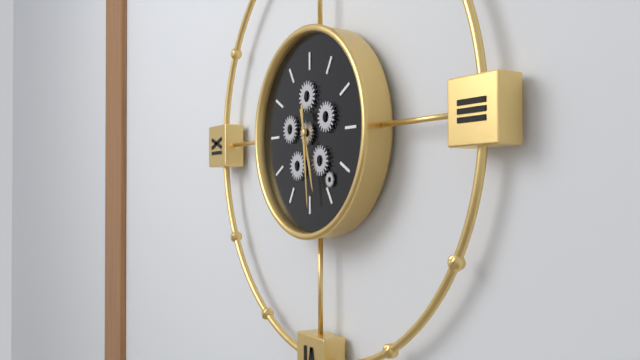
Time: 5h29
